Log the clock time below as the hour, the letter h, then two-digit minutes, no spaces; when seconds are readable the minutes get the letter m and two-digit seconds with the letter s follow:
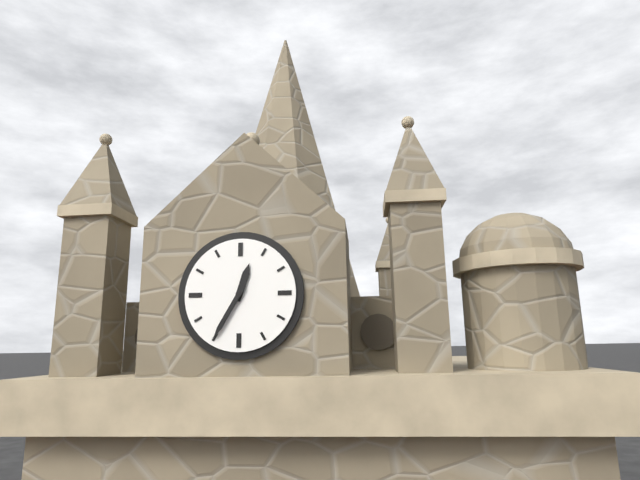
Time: 12h35
